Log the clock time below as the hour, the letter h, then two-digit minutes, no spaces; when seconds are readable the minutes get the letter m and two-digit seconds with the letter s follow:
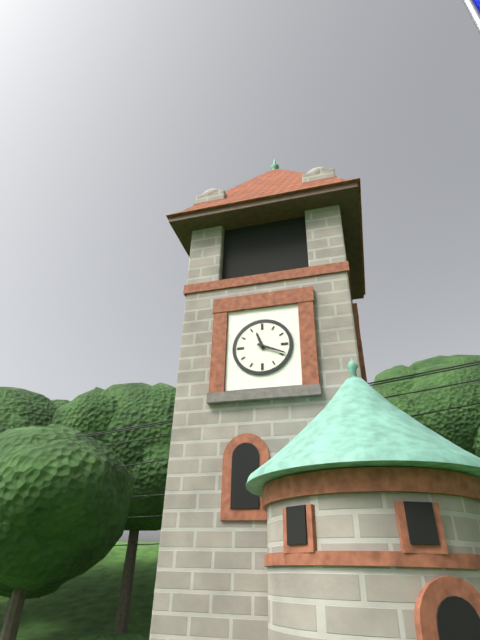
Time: 11h19
